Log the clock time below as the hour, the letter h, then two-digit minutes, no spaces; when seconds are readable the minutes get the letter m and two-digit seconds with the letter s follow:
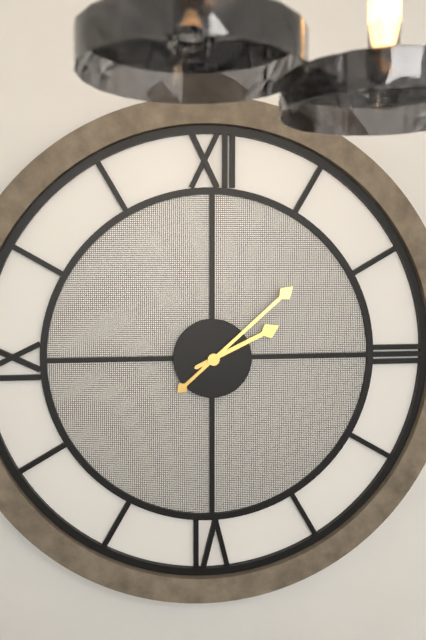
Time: 2h08
